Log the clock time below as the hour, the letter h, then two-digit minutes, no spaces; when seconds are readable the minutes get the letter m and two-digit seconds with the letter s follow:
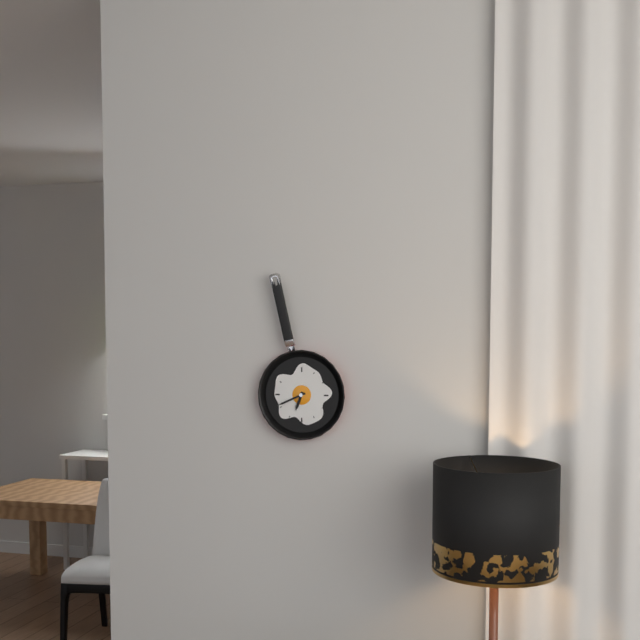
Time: 6h41
